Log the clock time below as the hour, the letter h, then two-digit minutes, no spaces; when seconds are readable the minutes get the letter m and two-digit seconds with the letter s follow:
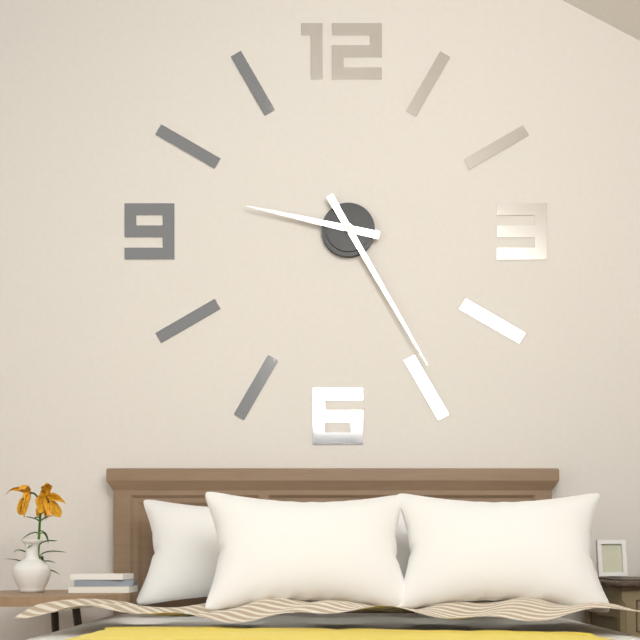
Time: 9h25
